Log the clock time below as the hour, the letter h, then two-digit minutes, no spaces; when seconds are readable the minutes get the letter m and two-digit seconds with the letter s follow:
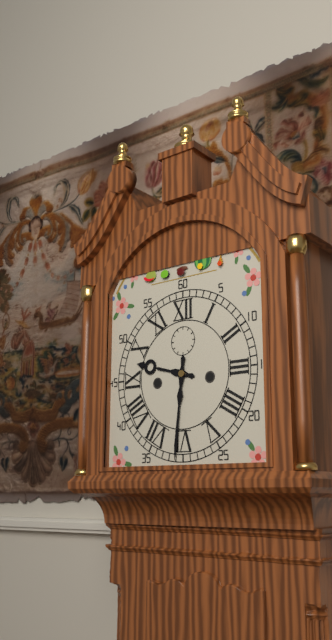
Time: 9h31
